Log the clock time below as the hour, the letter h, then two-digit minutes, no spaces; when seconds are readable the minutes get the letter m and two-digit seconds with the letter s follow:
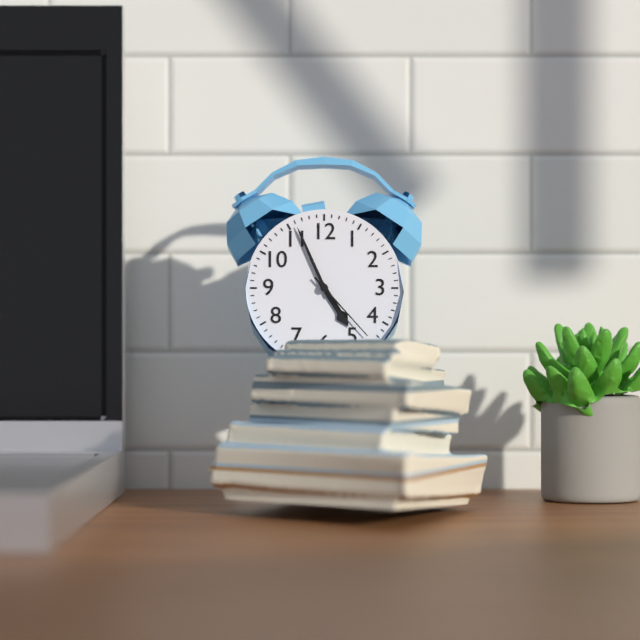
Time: 4h56m23s
